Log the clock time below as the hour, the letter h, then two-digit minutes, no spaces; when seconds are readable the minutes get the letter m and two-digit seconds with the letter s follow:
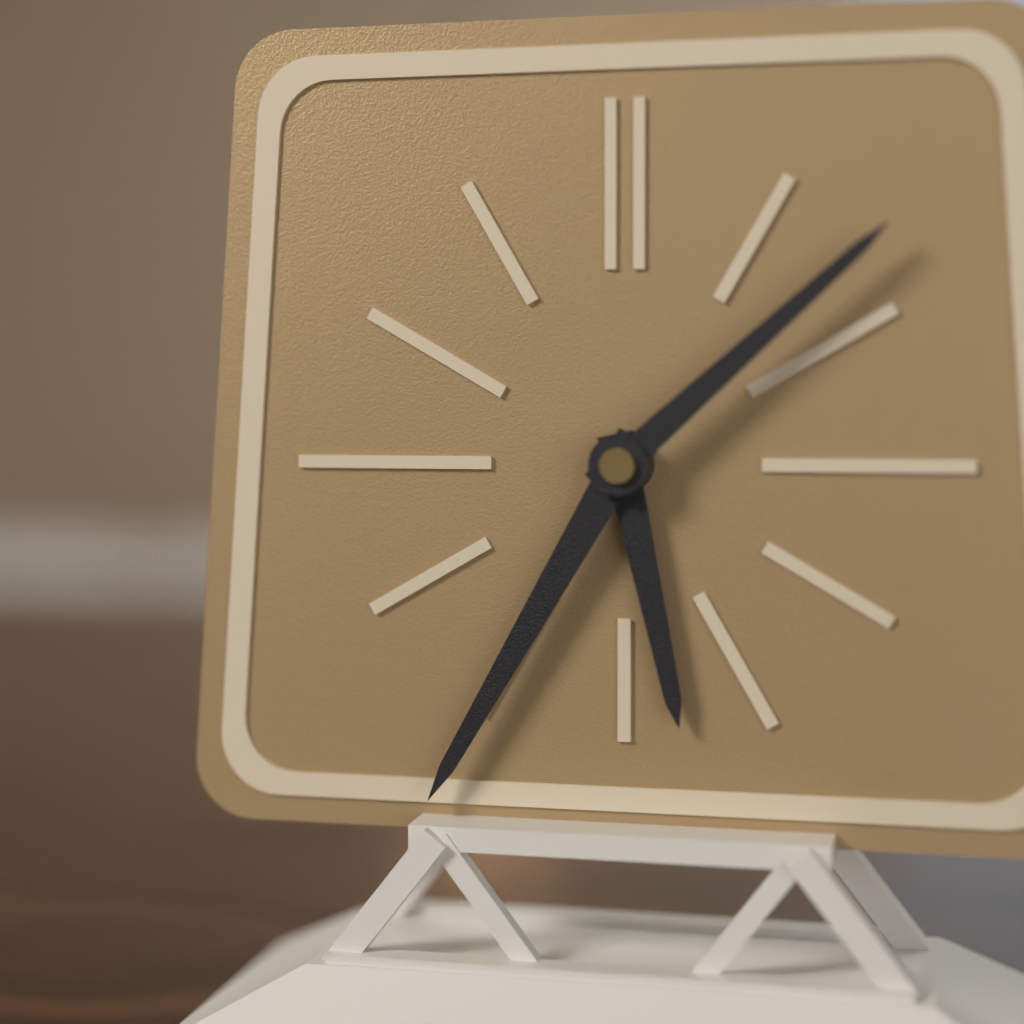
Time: 5h35m08s
